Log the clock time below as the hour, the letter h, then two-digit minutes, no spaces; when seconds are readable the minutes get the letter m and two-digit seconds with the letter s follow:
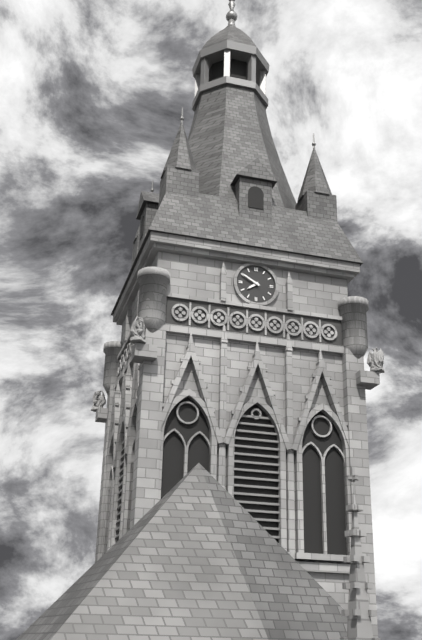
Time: 7h50
